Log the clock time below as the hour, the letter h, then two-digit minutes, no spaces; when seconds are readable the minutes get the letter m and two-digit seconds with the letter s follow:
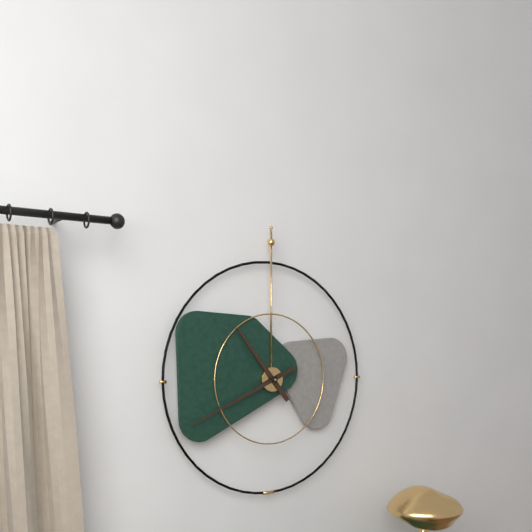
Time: 10h41
